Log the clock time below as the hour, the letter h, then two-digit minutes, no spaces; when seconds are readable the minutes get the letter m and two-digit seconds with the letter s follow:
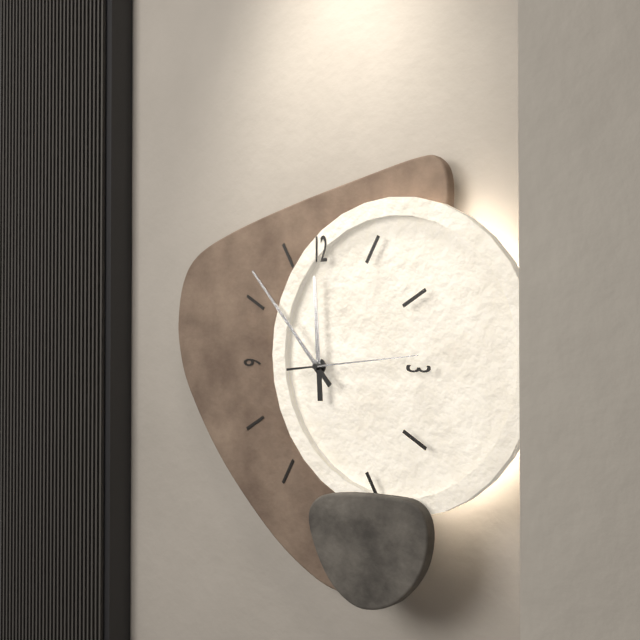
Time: 11h53m14s
